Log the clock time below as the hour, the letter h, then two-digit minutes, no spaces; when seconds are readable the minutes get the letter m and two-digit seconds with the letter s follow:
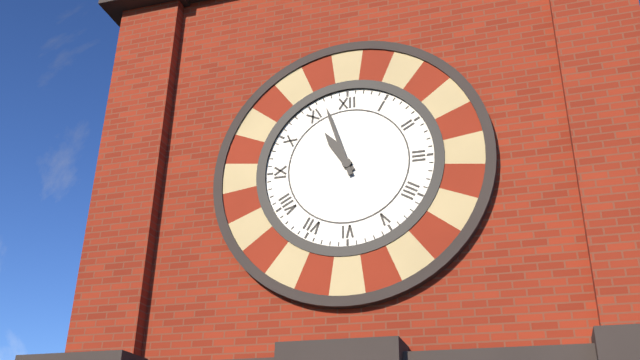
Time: 10h57
